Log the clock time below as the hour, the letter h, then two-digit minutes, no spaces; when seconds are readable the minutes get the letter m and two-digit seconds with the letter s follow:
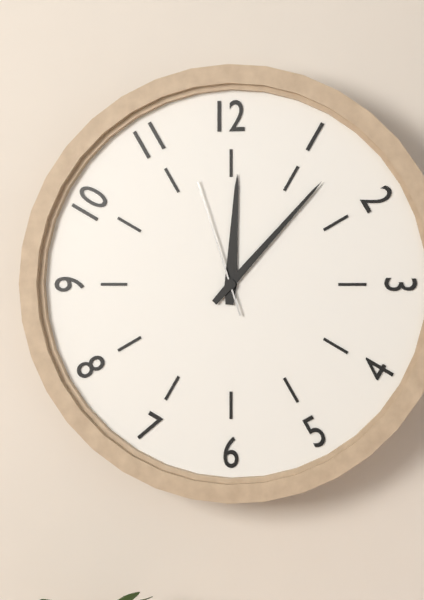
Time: 12h07m57s
